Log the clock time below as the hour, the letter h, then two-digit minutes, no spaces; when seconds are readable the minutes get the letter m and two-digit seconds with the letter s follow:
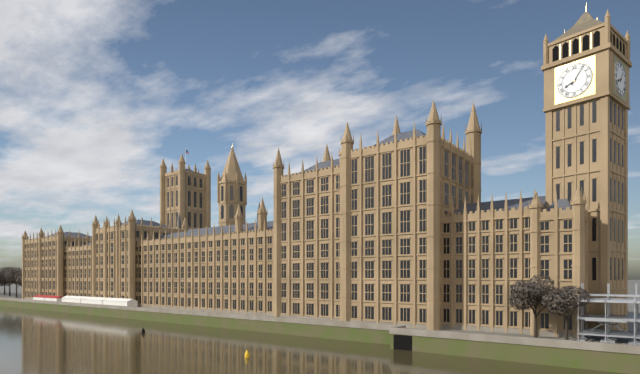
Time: 8h06
